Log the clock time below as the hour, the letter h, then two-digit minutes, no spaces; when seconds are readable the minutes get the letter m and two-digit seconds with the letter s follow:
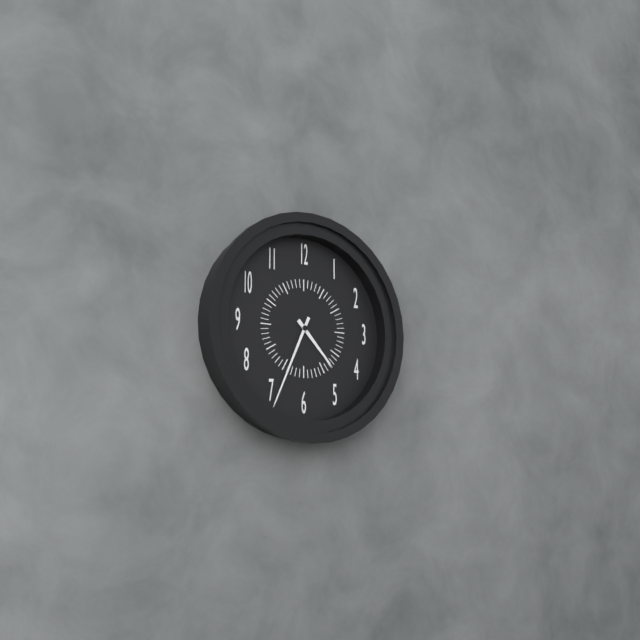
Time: 4h34
